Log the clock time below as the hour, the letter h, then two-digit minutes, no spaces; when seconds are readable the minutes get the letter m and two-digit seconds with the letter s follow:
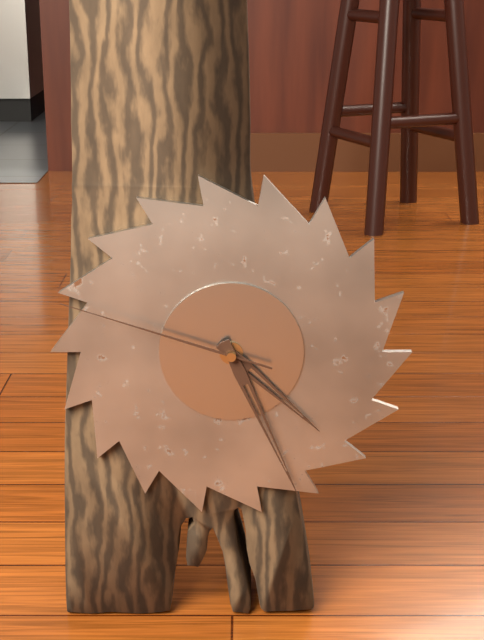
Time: 4h26m48s
